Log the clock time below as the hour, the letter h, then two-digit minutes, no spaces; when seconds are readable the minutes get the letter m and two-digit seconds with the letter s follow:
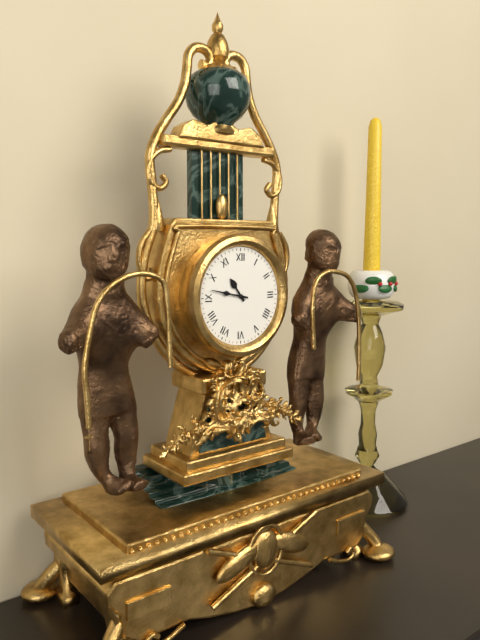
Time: 10h47
